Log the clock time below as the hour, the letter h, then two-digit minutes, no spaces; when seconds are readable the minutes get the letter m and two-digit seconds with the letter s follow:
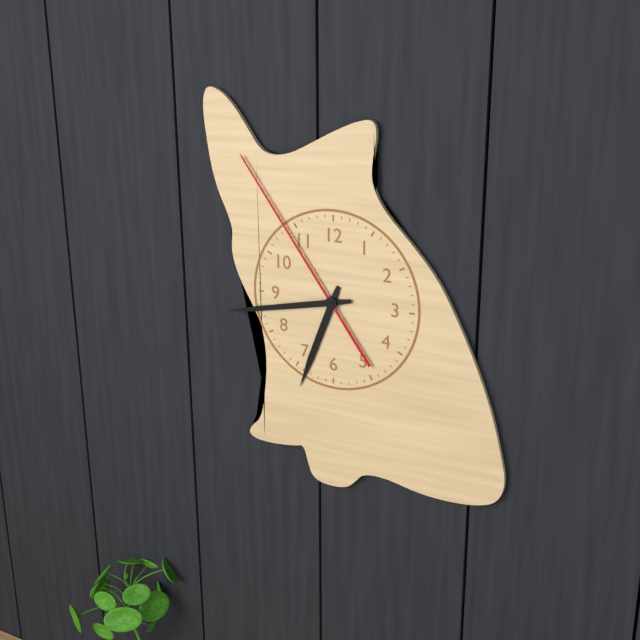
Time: 6h43m54s
